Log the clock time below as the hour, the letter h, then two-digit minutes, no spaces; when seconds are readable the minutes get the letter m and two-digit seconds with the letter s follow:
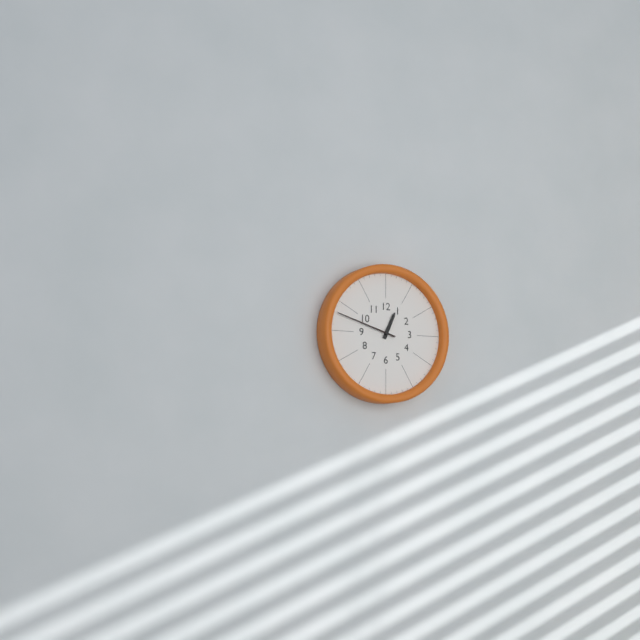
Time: 12h48
